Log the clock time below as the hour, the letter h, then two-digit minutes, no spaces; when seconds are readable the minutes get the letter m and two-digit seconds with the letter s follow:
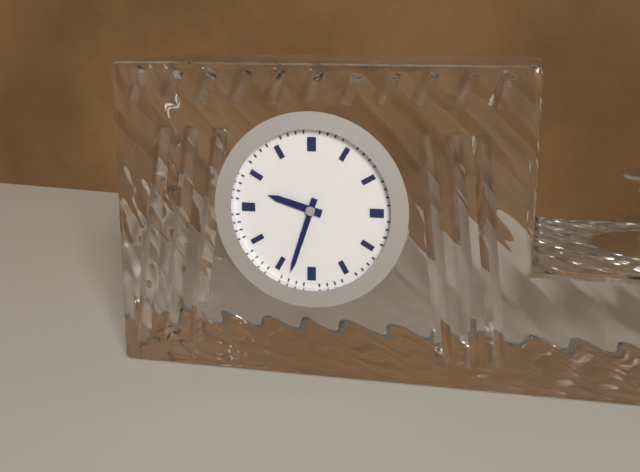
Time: 9h33
